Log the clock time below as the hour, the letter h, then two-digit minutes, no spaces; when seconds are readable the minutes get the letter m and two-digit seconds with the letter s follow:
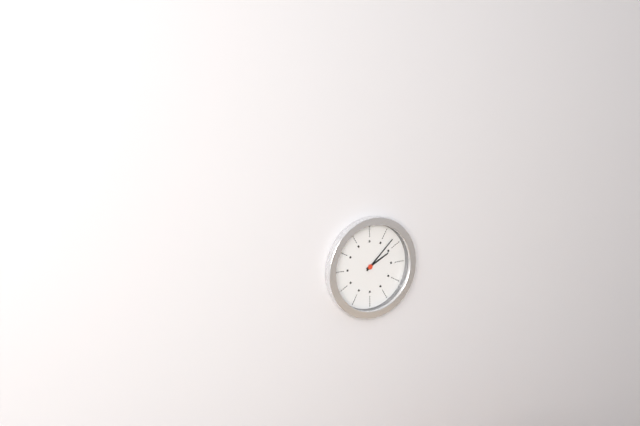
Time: 2h08
